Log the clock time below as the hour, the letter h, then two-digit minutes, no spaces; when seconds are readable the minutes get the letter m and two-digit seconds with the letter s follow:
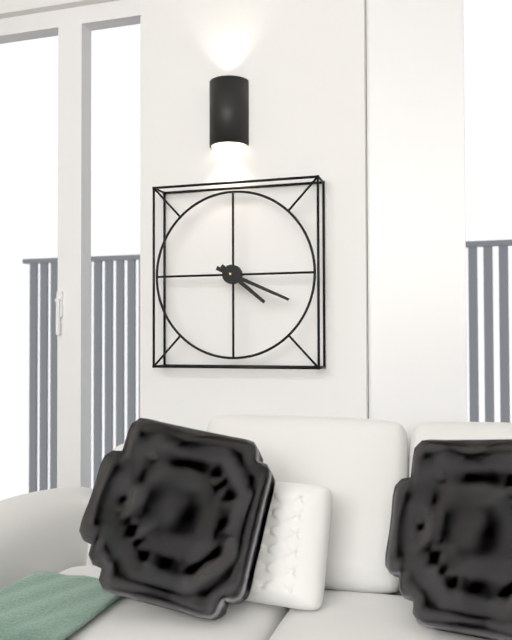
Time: 4h19
